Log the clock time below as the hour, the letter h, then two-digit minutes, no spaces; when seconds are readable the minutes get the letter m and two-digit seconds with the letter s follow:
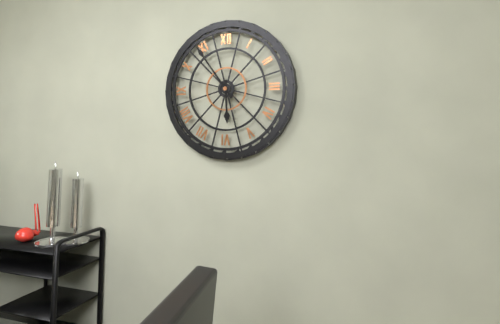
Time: 5h54
